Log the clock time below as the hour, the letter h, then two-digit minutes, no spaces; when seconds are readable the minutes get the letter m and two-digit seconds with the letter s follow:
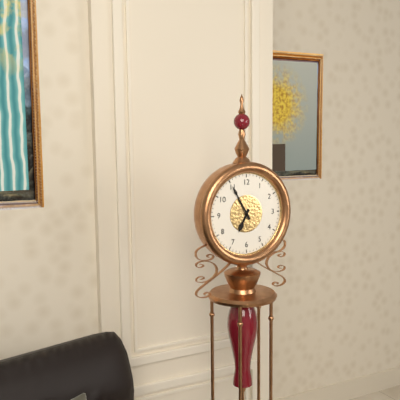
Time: 6h55
